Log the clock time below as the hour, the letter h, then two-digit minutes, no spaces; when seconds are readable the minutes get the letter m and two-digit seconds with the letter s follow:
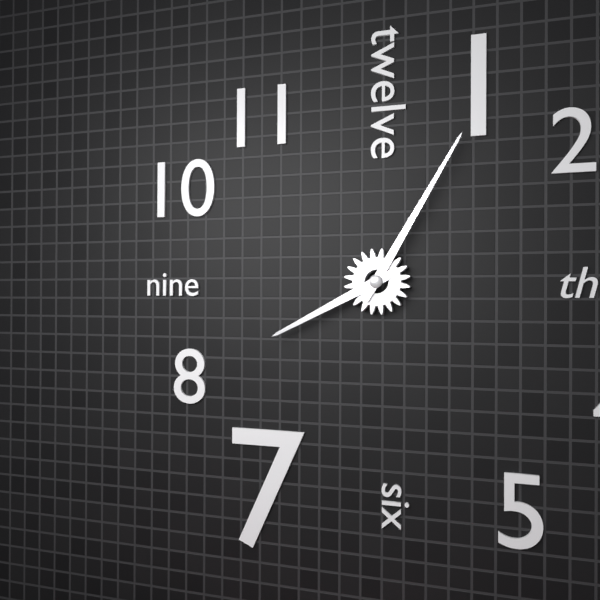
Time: 8h05
